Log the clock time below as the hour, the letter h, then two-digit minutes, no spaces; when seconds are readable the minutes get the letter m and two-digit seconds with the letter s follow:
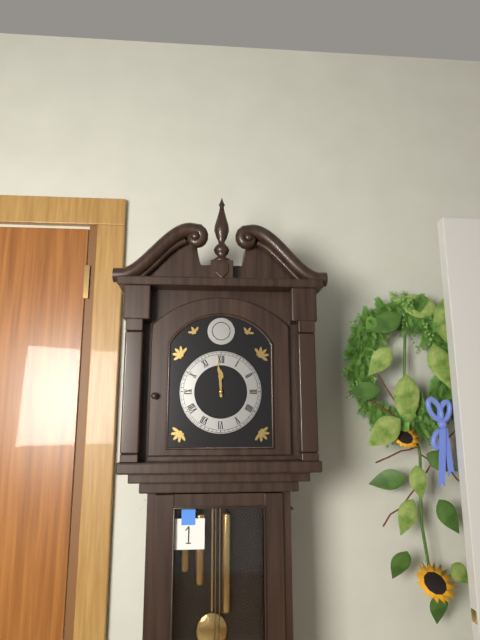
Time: 11h59
